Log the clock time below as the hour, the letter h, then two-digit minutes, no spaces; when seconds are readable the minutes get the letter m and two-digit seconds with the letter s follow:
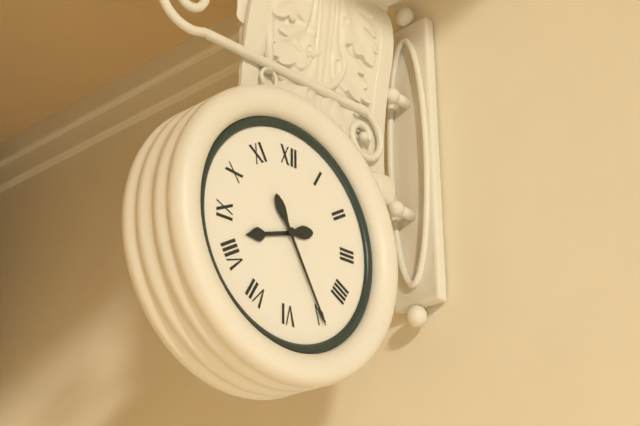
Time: 8h25
